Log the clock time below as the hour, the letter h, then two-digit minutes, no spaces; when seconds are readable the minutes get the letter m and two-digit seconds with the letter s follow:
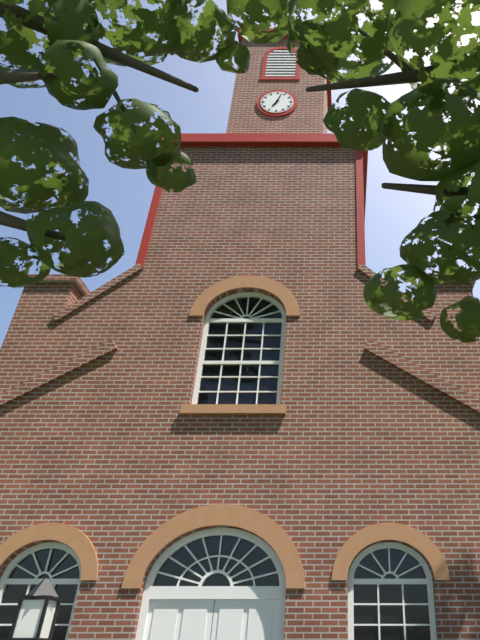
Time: 7h03
